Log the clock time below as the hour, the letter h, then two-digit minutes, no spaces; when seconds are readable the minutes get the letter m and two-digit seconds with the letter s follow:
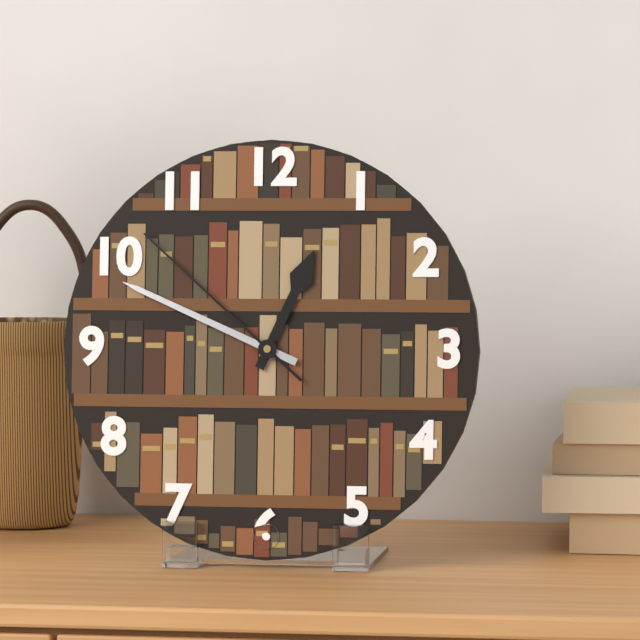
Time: 12h49m52s
